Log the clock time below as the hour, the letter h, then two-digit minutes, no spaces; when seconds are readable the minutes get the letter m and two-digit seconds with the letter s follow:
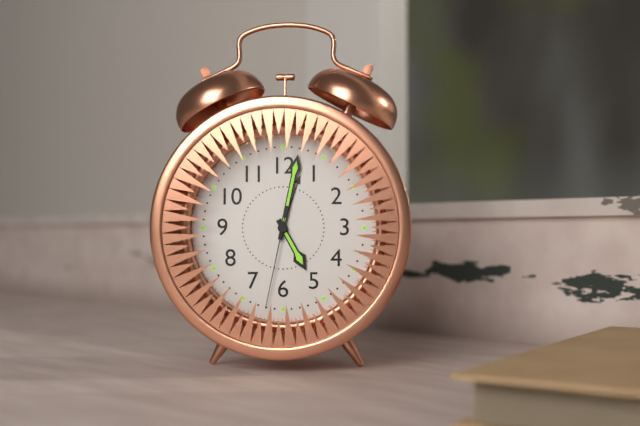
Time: 5h02m32s
